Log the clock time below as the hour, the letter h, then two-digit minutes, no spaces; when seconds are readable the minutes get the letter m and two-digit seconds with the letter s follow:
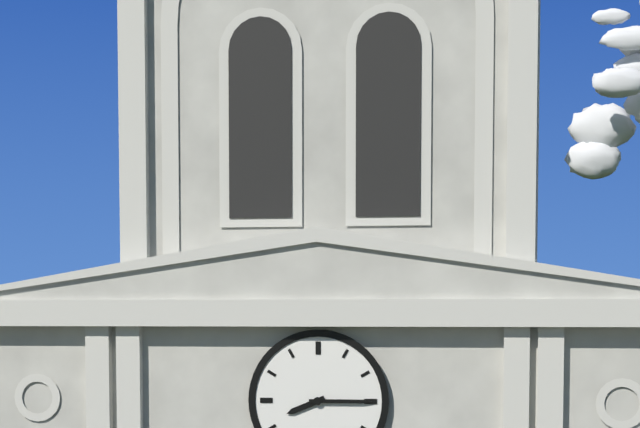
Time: 8h15
